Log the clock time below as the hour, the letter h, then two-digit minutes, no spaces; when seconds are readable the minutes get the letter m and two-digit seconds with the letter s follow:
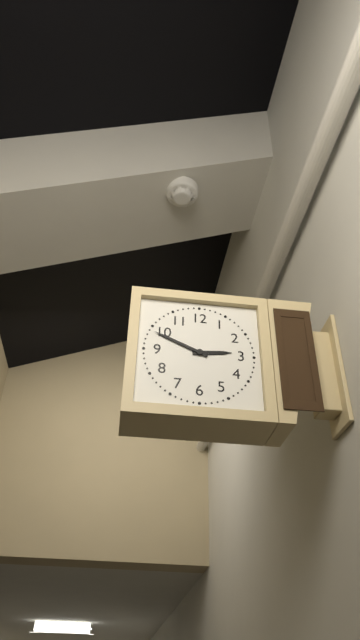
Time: 2h49
